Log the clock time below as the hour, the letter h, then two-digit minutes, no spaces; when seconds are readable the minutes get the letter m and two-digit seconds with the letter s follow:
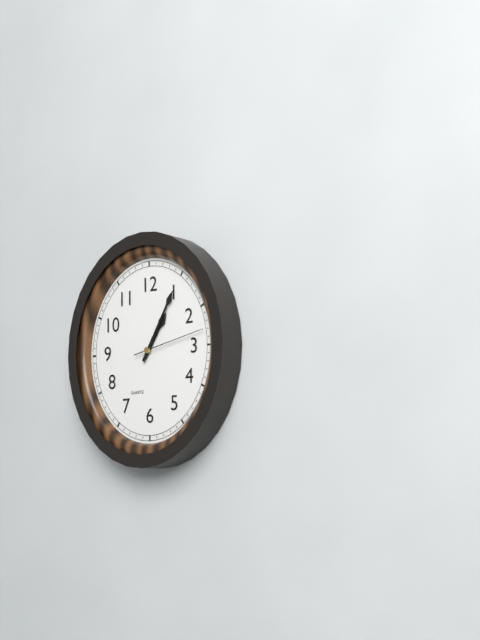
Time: 1h05m13s
